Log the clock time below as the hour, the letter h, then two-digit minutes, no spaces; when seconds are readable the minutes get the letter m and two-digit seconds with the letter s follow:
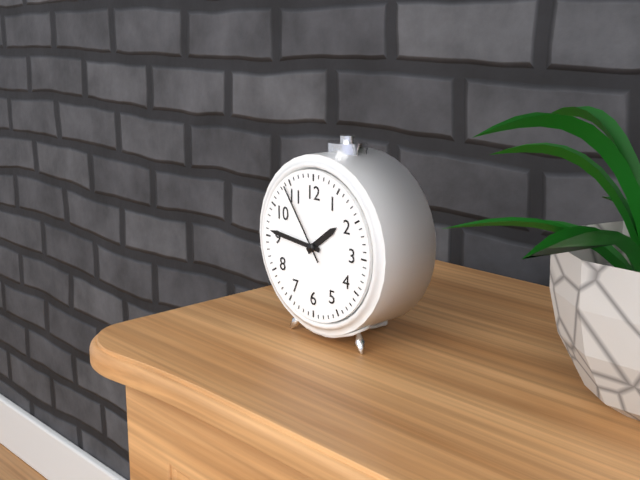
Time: 1h46m54s
